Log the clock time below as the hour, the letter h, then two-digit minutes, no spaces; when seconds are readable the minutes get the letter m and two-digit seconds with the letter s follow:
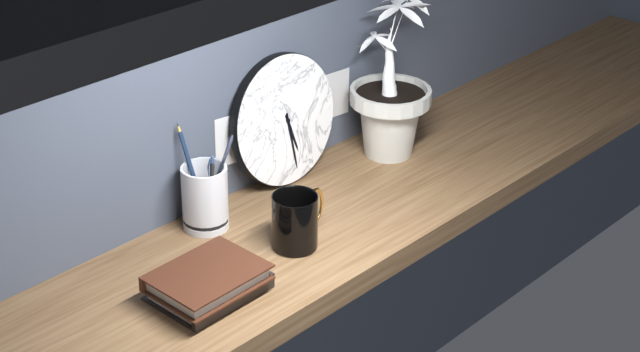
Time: 5h29
